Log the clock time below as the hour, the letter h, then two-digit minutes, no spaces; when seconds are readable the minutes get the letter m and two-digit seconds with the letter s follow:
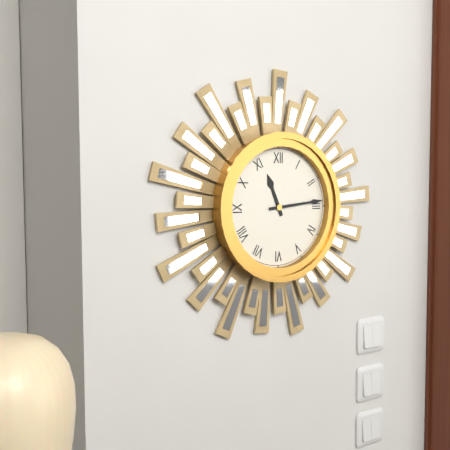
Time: 11h14
